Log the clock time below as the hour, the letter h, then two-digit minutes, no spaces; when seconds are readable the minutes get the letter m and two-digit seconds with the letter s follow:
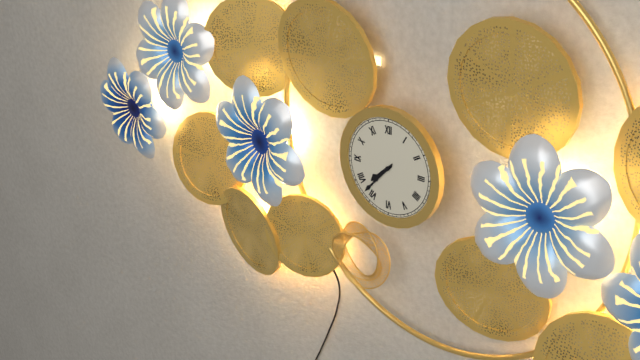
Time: 7h37
